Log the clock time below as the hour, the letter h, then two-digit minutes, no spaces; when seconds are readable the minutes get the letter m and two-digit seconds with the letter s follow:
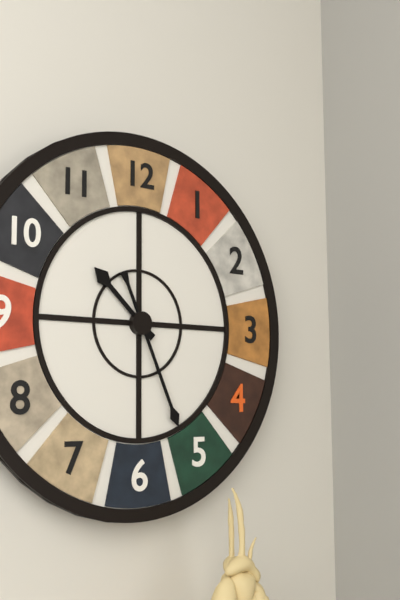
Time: 10h26
